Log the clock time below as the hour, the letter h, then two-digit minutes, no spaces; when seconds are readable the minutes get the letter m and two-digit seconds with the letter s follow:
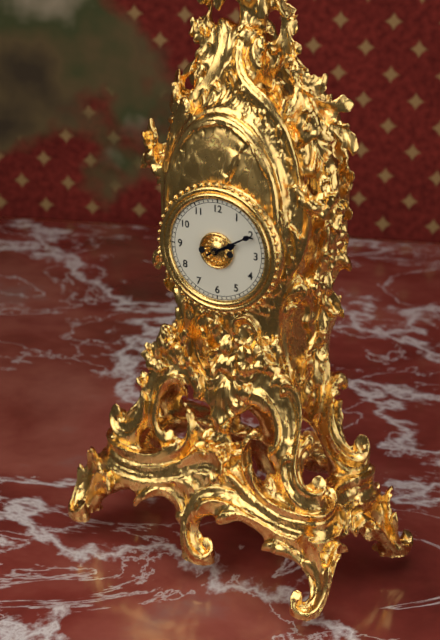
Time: 2h10
